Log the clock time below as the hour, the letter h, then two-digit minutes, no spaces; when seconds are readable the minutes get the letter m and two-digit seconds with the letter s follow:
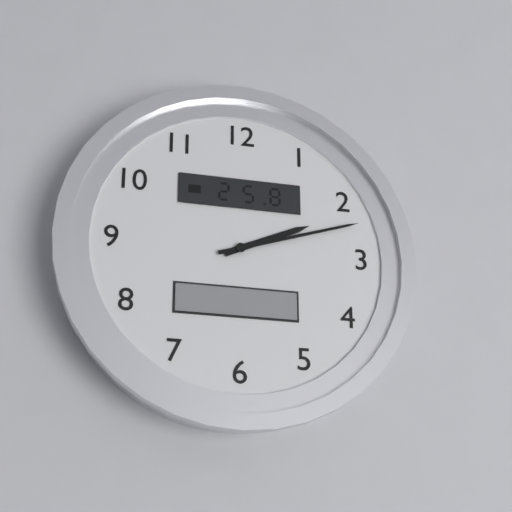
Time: 2h12
